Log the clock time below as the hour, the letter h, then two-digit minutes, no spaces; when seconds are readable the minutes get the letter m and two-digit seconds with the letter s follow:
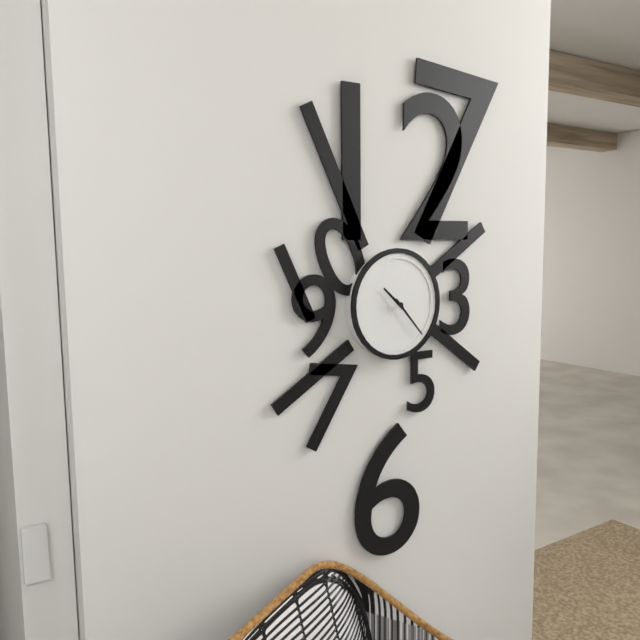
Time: 10h23
